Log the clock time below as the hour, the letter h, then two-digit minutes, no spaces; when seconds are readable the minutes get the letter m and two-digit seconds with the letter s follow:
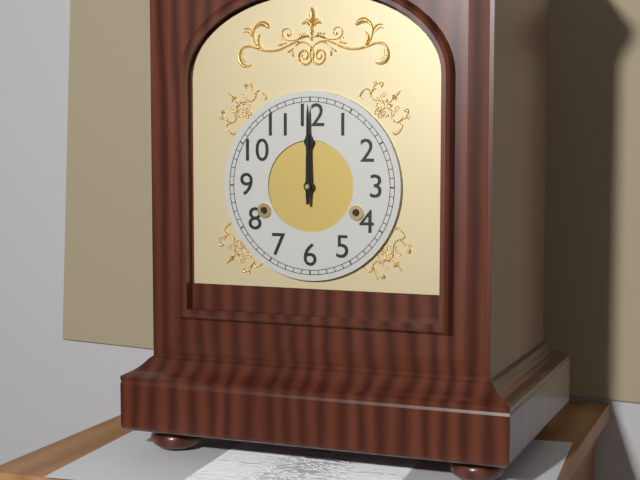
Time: 12h00
